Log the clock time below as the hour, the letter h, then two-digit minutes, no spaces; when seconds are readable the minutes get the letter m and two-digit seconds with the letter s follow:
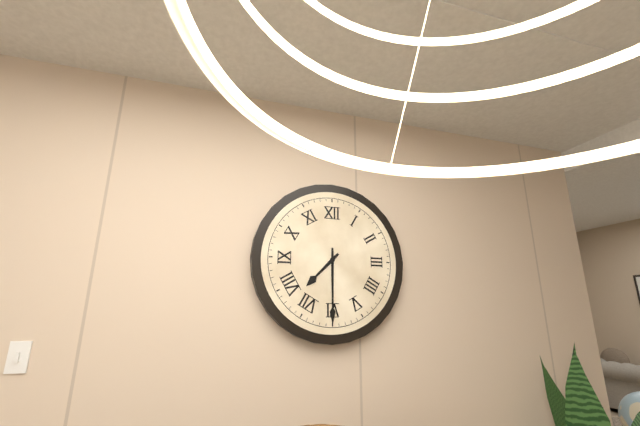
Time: 7h30
